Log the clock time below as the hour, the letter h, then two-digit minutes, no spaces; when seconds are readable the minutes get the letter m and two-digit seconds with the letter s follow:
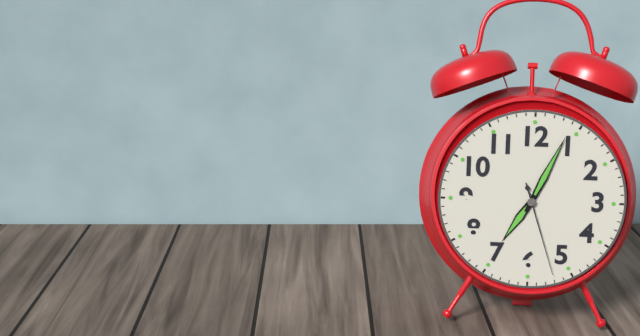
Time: 7h04m27s
